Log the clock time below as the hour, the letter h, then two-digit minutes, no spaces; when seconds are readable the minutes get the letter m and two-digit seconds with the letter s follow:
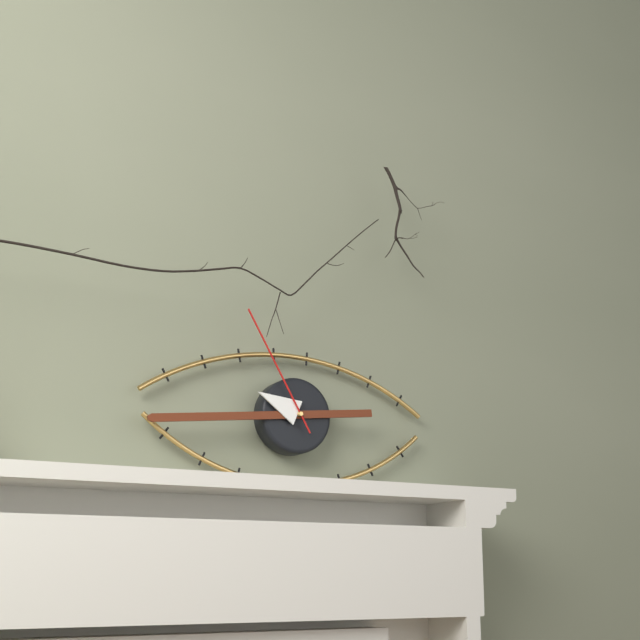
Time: 9h44m55s
